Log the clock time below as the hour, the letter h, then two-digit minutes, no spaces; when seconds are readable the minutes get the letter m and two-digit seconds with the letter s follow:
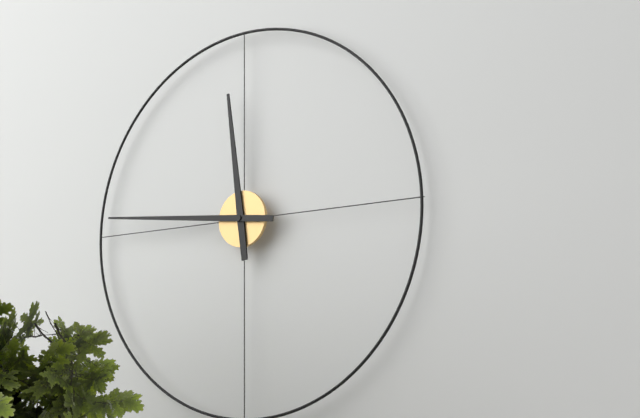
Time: 11h46
